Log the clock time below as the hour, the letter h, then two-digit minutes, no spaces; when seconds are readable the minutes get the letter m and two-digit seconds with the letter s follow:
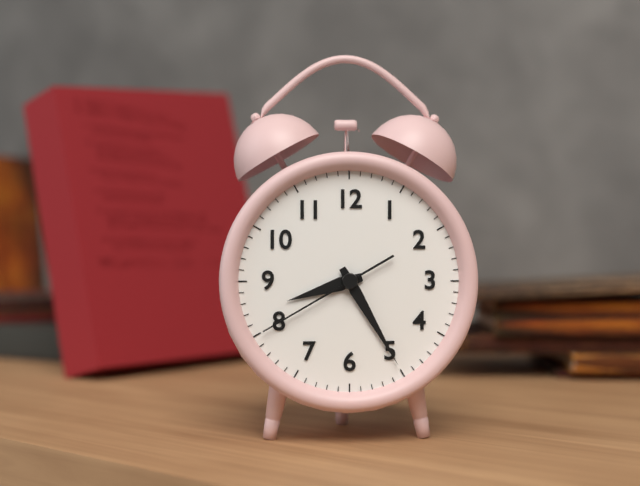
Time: 8h25m40s
